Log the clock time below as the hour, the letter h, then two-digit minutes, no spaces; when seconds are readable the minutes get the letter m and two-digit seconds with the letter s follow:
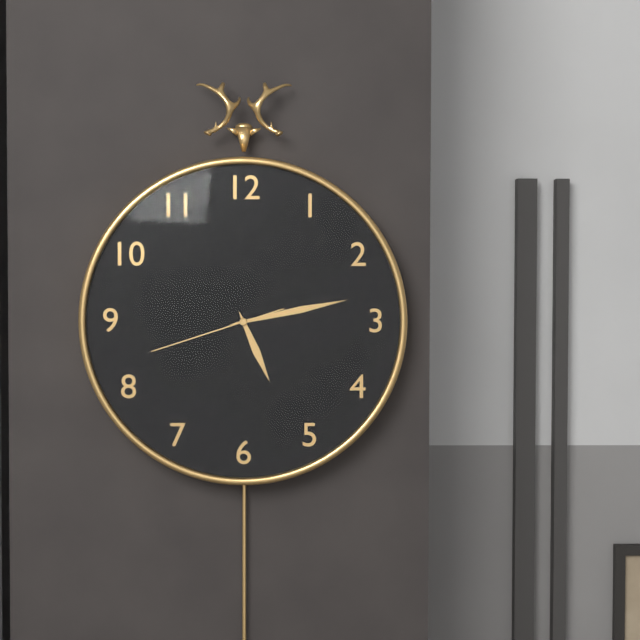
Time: 5h13m42s
